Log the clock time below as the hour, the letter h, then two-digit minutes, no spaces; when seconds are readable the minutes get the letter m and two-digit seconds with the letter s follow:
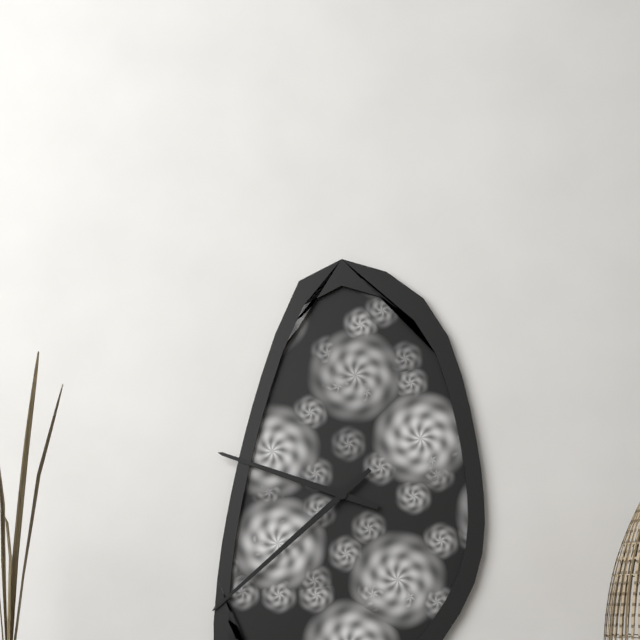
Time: 9h38
